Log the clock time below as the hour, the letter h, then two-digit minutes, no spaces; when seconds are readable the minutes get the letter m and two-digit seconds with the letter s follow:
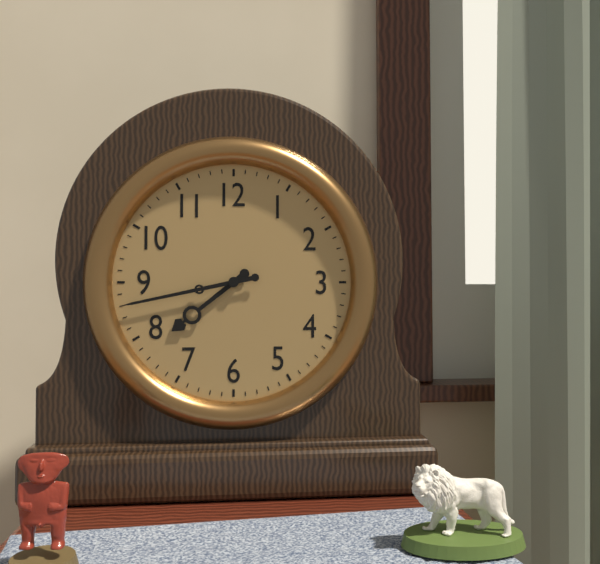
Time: 7h43
